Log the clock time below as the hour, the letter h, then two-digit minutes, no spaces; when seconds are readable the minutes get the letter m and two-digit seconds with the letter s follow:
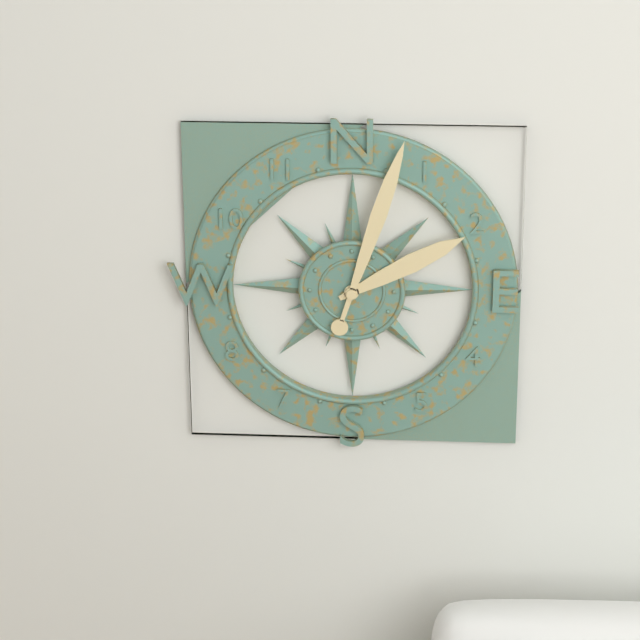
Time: 2h03
